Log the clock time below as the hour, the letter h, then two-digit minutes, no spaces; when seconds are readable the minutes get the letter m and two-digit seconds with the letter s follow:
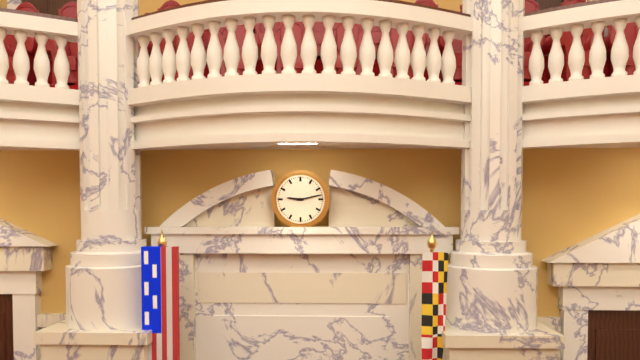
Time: 9h13
